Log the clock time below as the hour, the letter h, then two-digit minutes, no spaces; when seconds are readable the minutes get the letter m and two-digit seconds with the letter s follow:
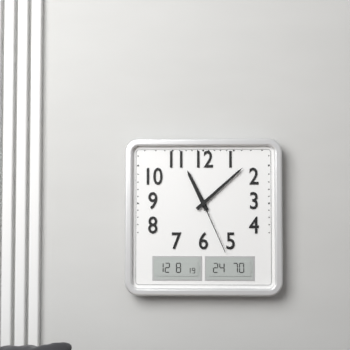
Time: 11h08m26s
